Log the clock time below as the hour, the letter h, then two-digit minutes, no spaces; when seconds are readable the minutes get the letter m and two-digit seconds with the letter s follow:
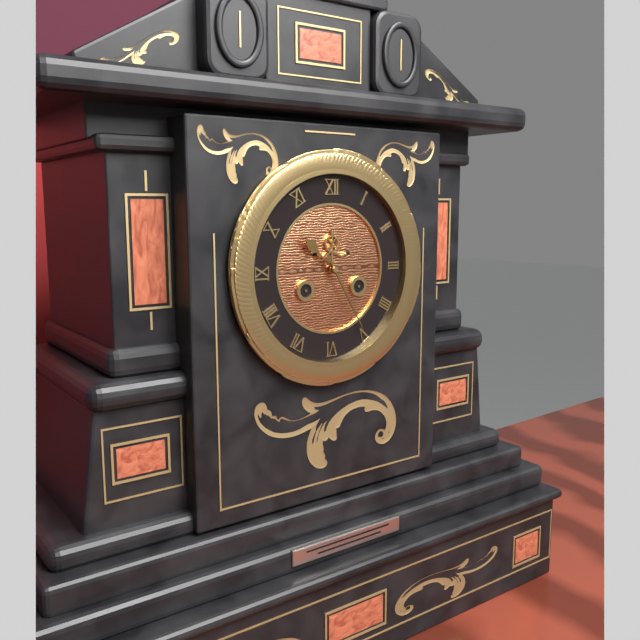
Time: 10h25
